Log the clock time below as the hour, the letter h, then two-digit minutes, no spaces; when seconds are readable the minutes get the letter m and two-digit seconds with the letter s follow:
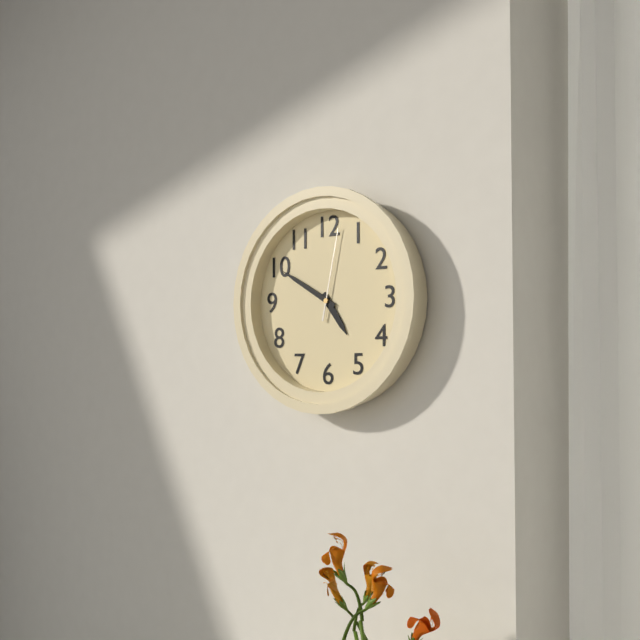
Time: 4h50m02s
